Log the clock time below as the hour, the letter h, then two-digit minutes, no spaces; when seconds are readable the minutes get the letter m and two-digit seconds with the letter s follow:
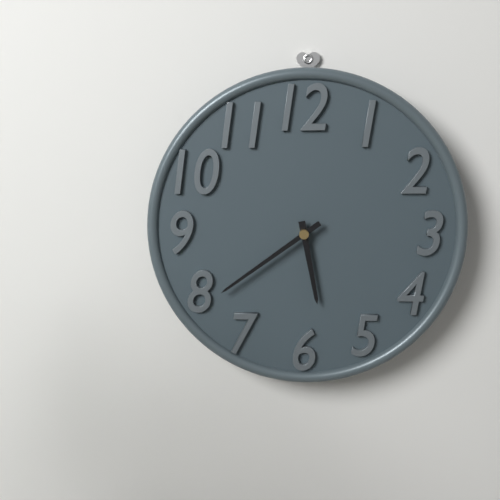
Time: 5h39
